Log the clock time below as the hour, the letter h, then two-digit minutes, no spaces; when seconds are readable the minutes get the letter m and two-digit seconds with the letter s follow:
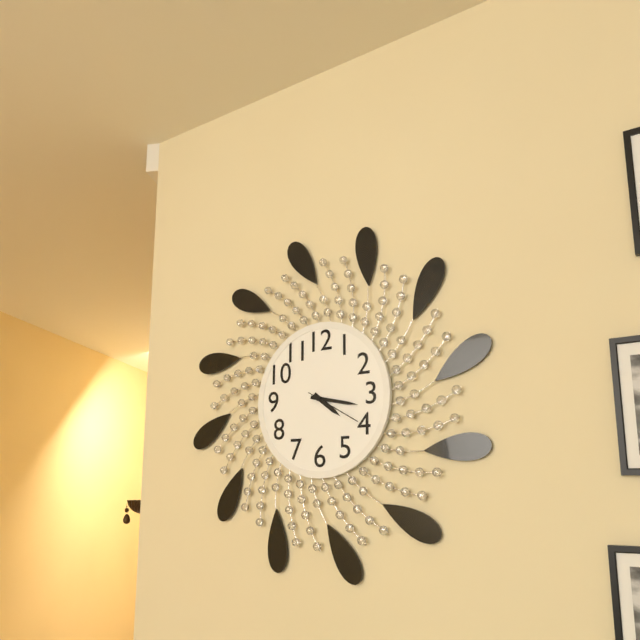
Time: 4h17m20s
